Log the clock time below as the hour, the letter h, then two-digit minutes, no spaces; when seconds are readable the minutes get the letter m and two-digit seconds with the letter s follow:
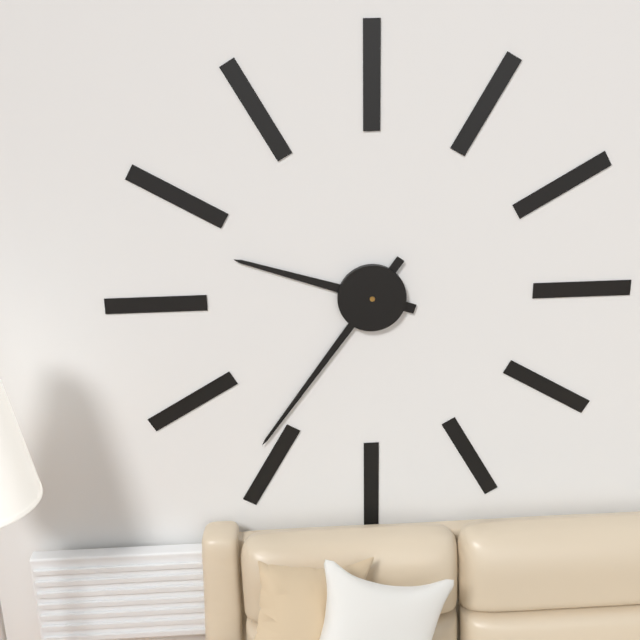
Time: 9h36
